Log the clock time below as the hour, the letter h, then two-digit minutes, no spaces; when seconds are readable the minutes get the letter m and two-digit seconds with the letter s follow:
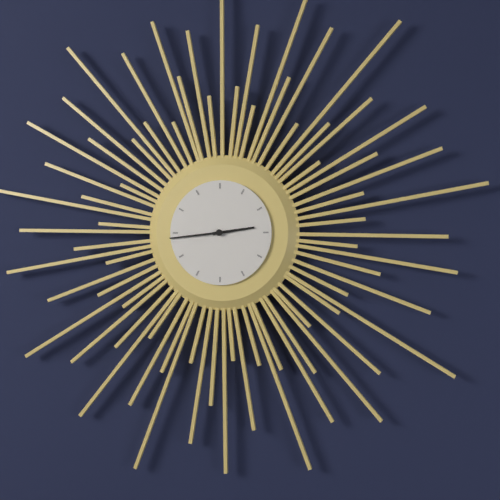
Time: 2h44
